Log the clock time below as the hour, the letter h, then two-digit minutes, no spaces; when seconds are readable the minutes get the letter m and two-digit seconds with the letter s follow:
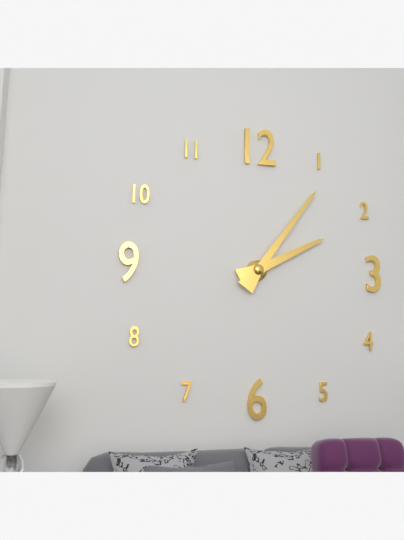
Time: 2h06
